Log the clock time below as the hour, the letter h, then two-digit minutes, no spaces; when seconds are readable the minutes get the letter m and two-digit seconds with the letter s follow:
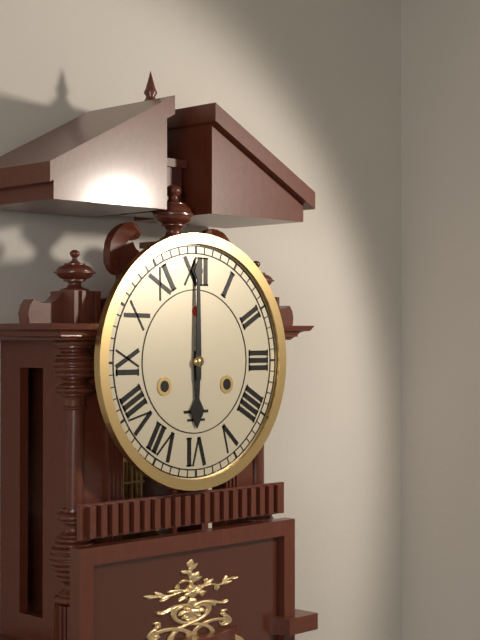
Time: 6h00
